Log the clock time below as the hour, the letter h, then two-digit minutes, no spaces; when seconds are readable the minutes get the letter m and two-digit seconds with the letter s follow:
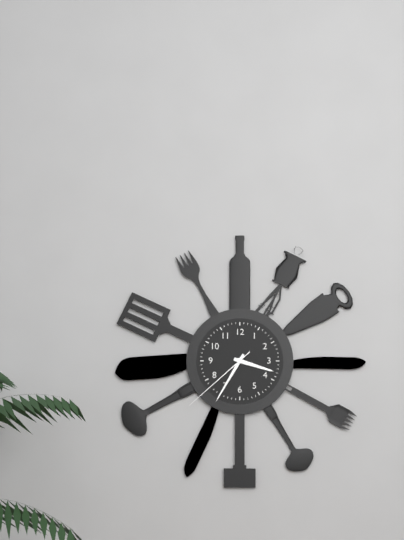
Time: 3h35m38s
